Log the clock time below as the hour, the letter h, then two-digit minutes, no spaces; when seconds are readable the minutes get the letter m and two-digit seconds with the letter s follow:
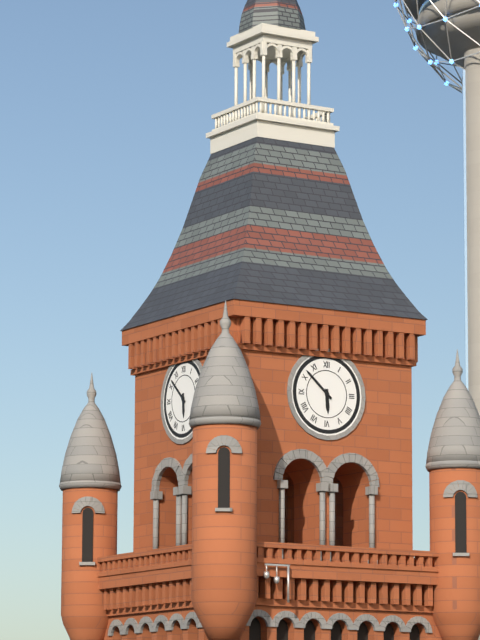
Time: 5h52
